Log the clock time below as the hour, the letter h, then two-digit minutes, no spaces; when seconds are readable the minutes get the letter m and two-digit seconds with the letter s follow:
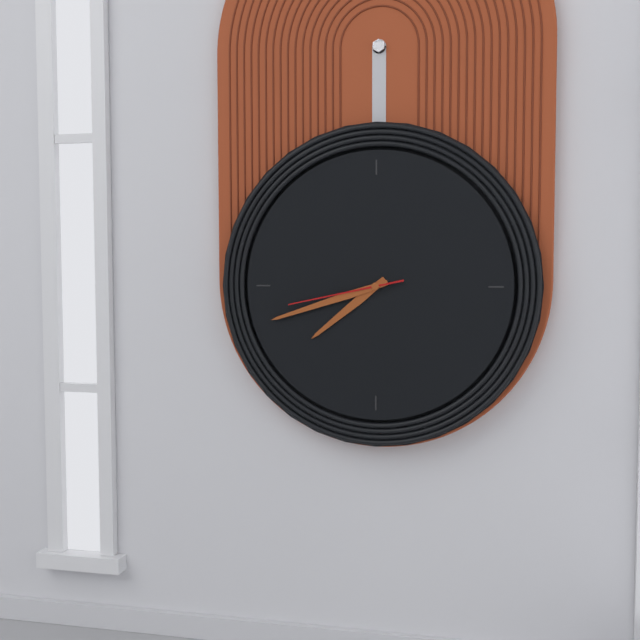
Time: 7h42m43s
